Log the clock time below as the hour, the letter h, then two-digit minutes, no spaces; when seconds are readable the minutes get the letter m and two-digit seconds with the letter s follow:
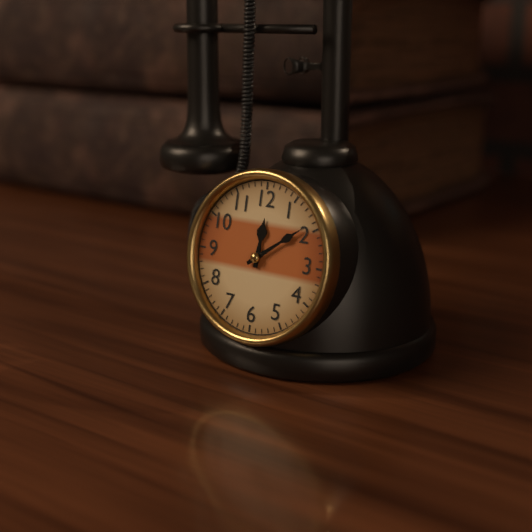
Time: 12h09
